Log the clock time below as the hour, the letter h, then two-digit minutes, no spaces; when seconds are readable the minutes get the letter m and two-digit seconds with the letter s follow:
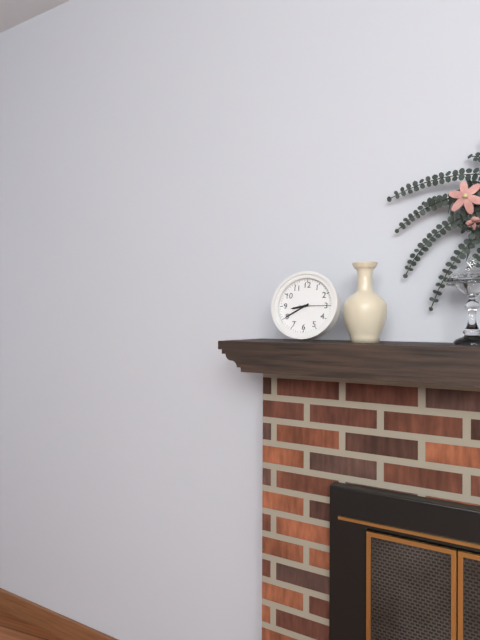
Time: 8h40
